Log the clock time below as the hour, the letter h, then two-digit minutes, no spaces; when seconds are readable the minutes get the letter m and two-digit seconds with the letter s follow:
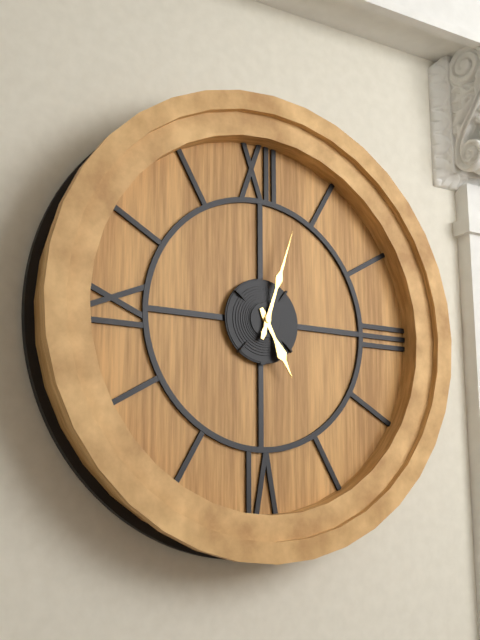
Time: 5h03
